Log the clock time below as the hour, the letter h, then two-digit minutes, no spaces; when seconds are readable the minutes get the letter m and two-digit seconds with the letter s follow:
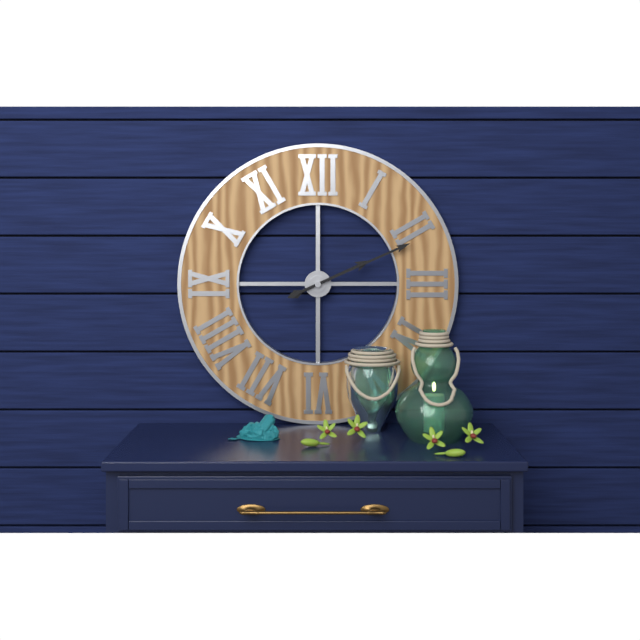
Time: 2h11
